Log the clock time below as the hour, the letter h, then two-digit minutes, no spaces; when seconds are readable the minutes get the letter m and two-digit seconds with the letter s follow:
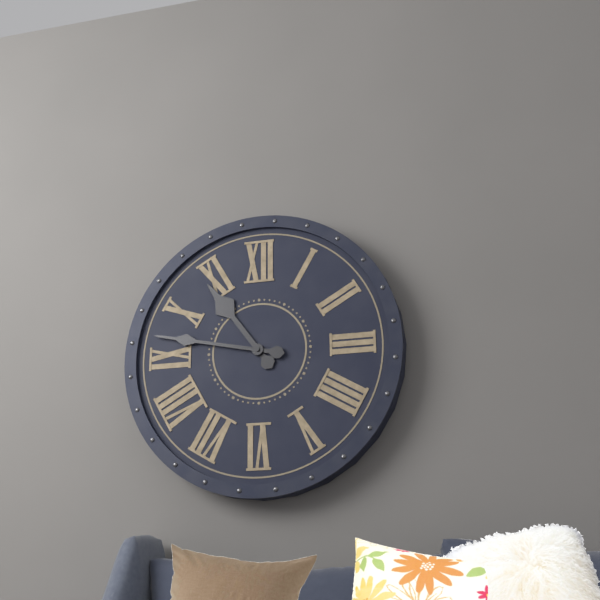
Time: 10h47
